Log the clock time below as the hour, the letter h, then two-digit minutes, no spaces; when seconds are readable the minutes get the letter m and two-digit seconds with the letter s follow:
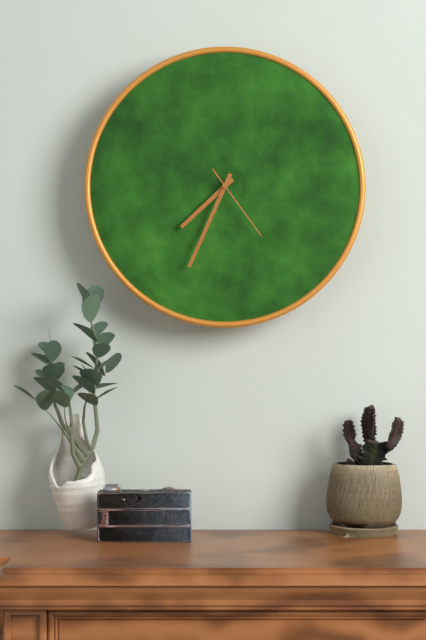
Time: 7h34m24s
